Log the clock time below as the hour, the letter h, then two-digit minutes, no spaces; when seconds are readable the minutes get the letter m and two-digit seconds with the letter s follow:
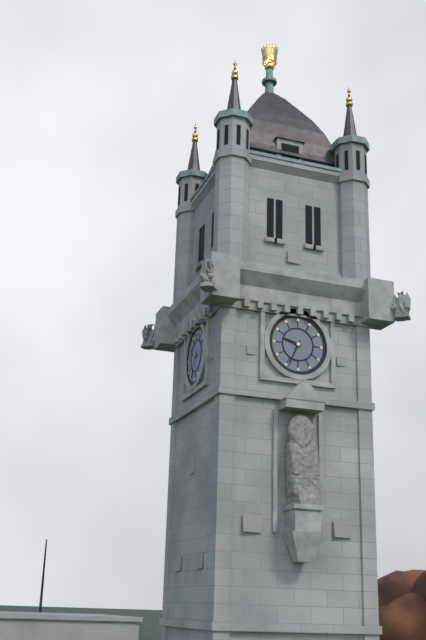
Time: 9h34
